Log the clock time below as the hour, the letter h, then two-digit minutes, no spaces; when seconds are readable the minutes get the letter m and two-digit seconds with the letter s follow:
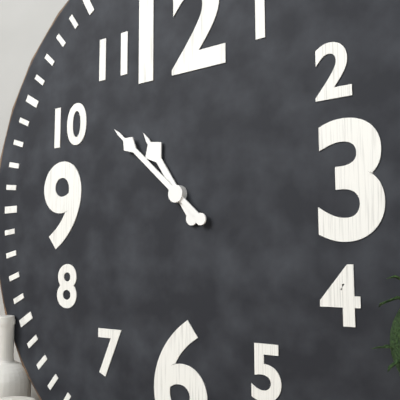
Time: 10h52
